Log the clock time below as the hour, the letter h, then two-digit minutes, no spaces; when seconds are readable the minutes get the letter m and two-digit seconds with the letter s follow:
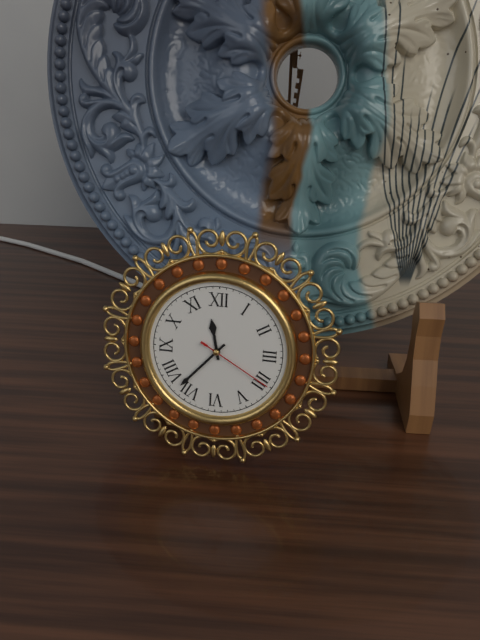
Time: 11h37m20s
